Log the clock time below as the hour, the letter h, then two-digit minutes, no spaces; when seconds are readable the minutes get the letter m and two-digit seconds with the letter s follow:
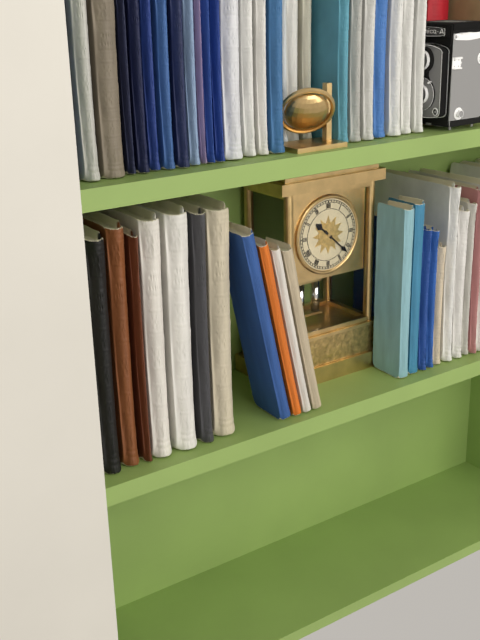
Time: 10h22
